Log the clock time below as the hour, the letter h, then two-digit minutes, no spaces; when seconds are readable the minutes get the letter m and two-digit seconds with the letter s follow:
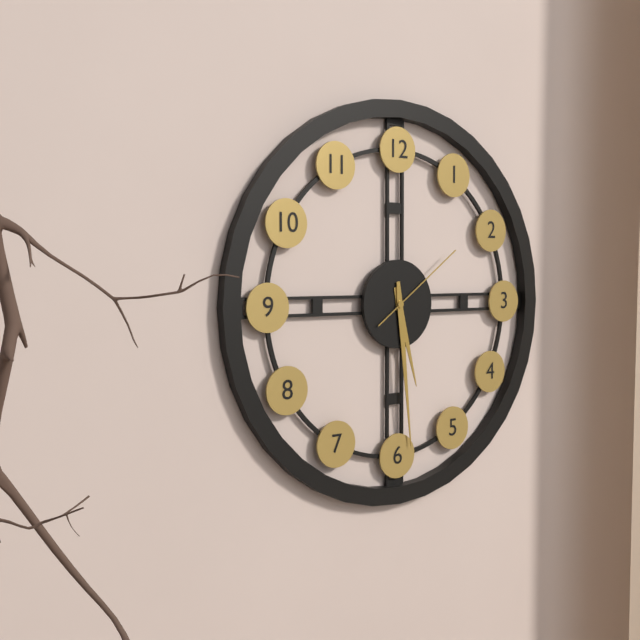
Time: 5h29m09s
